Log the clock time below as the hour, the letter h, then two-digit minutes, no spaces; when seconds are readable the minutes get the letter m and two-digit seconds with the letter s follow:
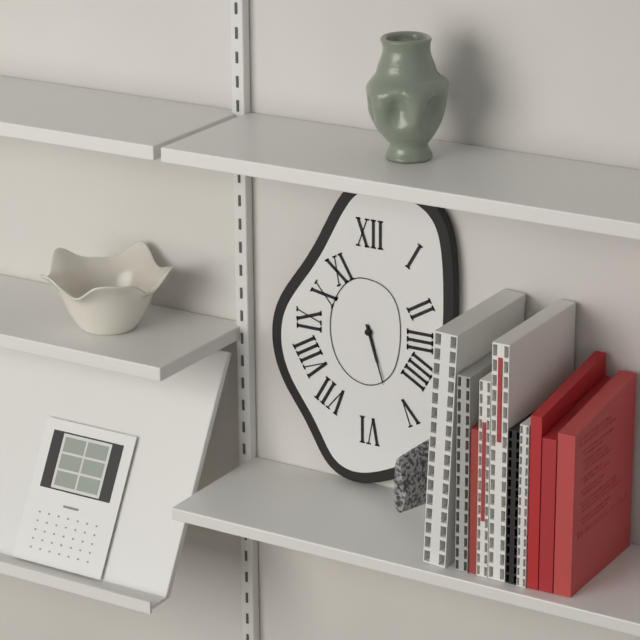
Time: 5h27
